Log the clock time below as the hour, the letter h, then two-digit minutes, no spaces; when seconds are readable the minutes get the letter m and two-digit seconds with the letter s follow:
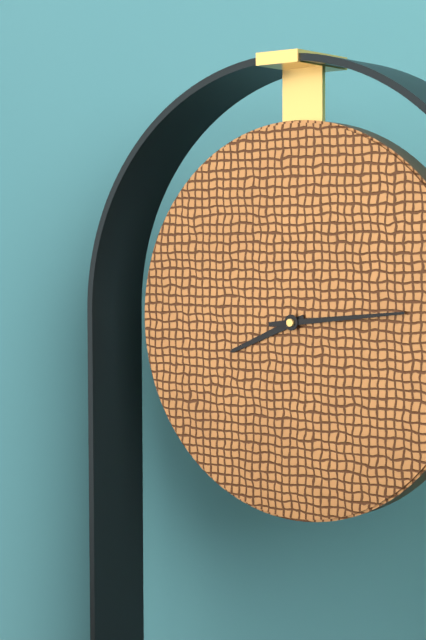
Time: 8h14
